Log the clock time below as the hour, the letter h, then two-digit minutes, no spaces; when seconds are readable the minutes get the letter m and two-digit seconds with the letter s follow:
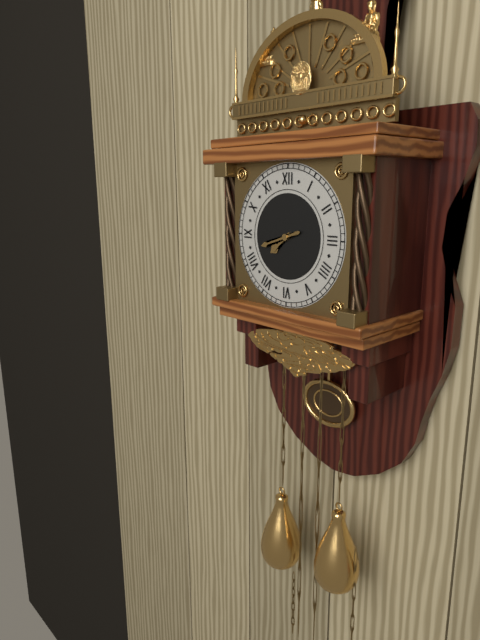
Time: 7h42
